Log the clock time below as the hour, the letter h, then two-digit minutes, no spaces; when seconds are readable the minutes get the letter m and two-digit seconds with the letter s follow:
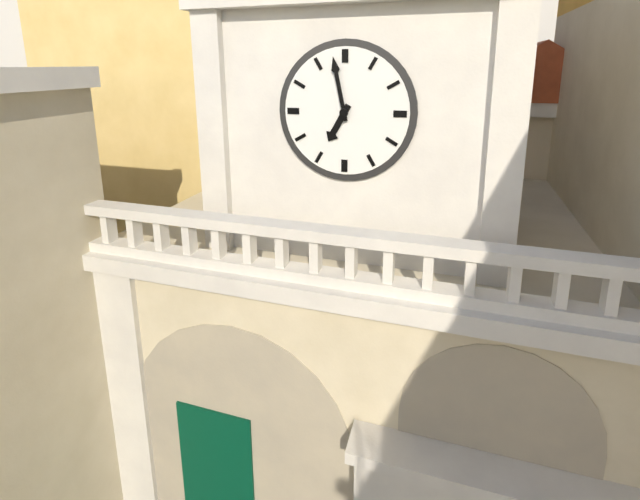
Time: 6h58
